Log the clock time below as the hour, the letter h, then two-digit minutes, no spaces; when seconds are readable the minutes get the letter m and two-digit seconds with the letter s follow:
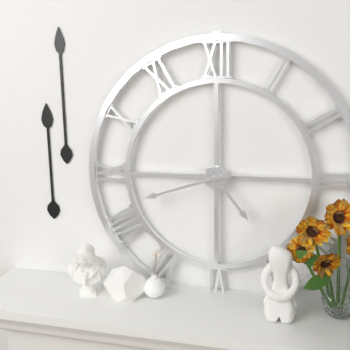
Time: 4h42
